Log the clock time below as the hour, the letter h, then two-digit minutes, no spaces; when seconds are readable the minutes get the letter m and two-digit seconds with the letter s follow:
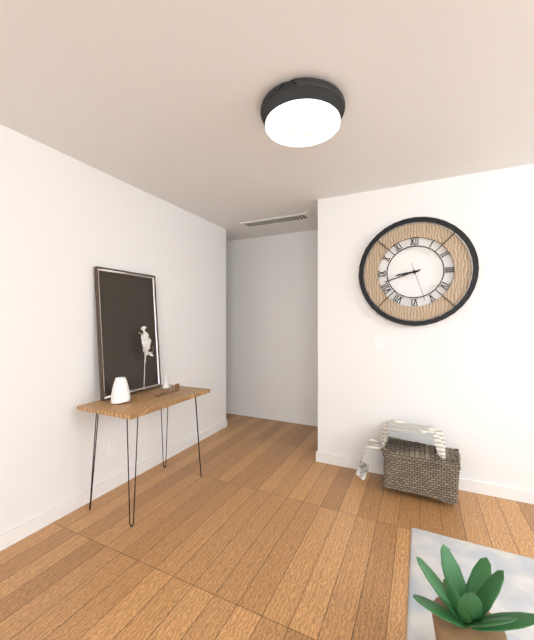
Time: 8h42
